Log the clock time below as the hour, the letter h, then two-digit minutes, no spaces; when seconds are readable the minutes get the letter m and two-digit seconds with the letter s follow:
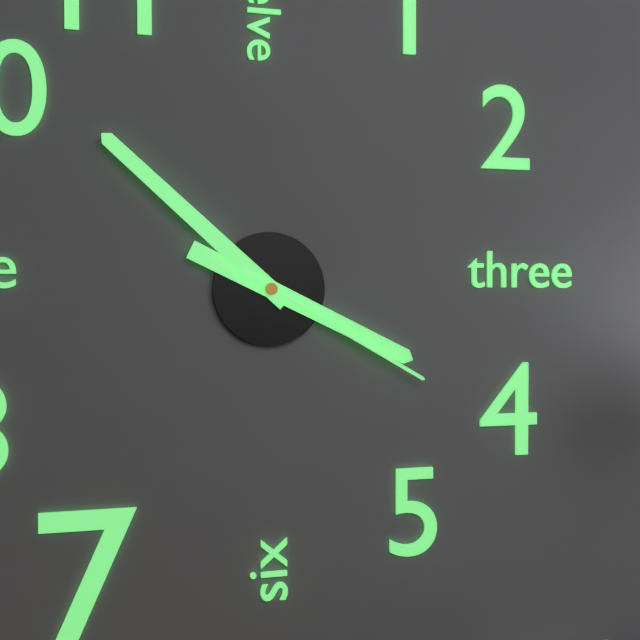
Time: 3h52m20s
